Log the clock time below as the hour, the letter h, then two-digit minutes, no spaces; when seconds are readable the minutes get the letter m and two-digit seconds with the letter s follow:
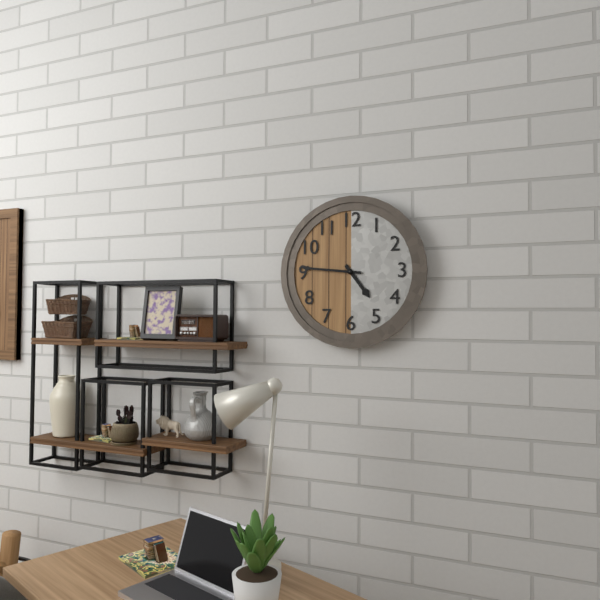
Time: 4h46
